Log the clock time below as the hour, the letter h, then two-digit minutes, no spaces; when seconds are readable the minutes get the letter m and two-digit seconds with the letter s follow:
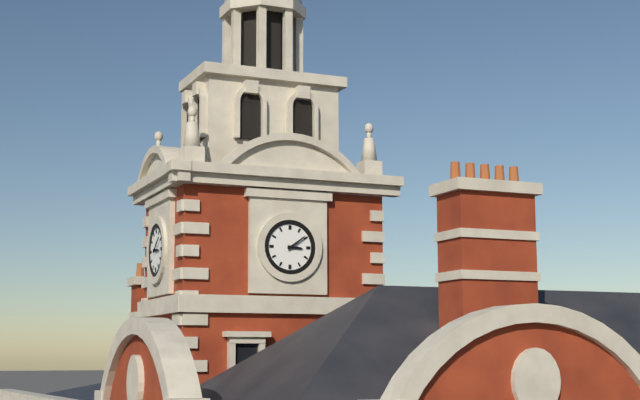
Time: 3h09
